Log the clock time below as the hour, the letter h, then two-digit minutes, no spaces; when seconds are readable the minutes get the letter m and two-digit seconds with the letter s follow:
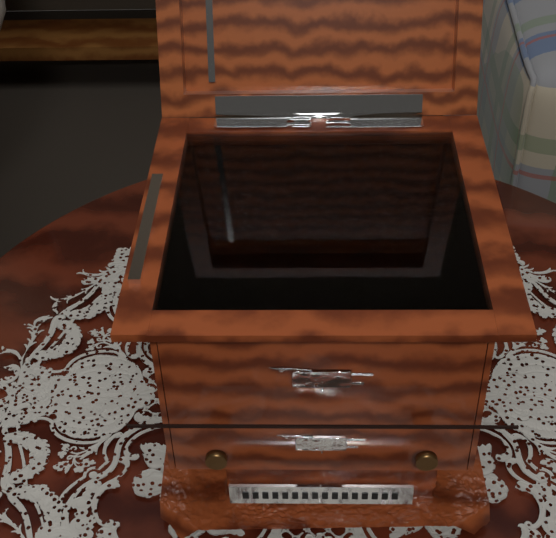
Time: 4h04
